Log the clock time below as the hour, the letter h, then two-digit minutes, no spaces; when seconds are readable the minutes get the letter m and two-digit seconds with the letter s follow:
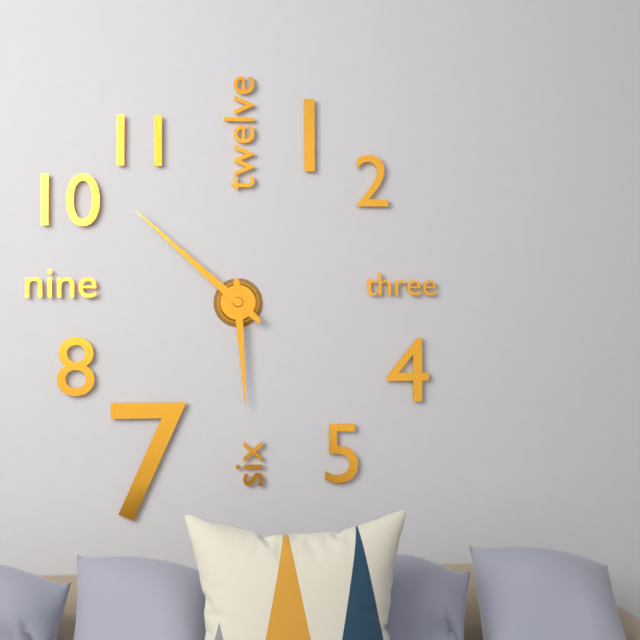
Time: 5h52
